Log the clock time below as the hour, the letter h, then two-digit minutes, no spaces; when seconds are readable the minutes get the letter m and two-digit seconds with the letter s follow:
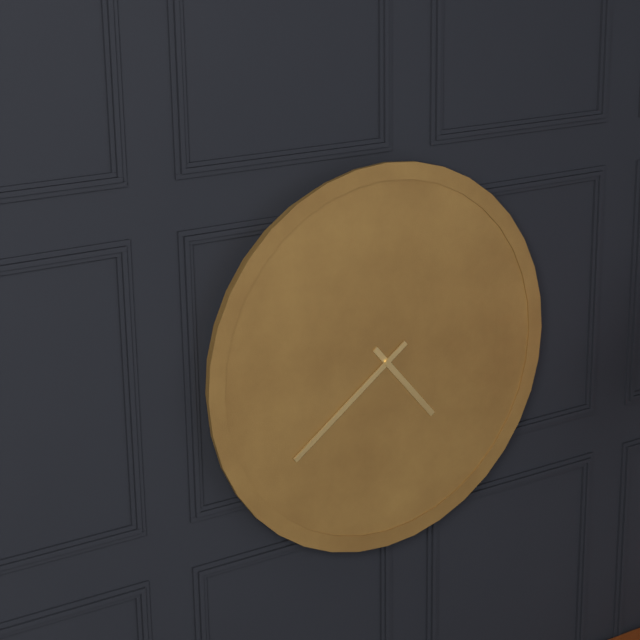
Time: 4h39
